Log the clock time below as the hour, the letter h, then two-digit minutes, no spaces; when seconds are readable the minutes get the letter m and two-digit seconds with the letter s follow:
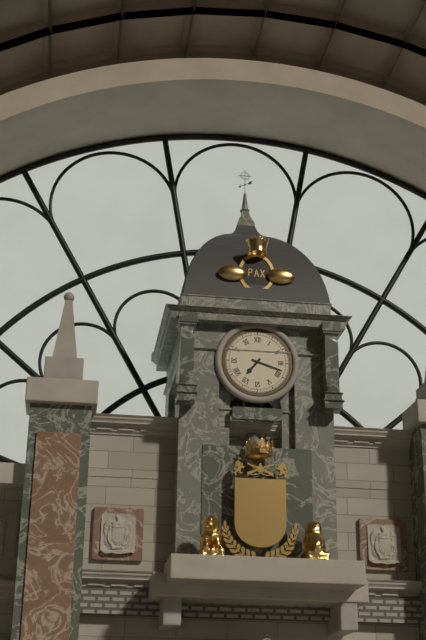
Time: 7h18
